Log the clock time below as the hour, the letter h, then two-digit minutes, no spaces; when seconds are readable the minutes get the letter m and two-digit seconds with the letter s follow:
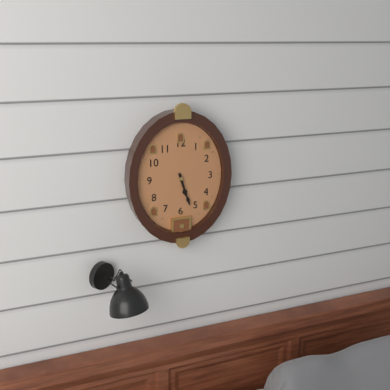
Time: 5h27
